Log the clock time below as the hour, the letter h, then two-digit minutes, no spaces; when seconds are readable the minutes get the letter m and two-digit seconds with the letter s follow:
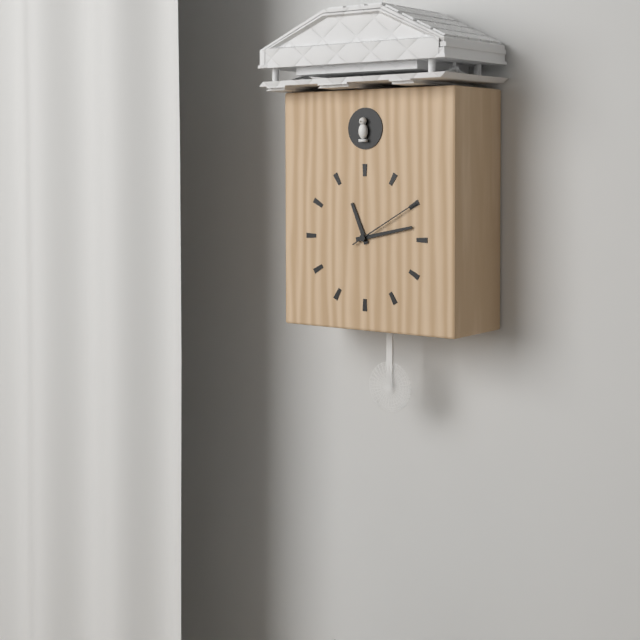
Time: 11h13m10s
